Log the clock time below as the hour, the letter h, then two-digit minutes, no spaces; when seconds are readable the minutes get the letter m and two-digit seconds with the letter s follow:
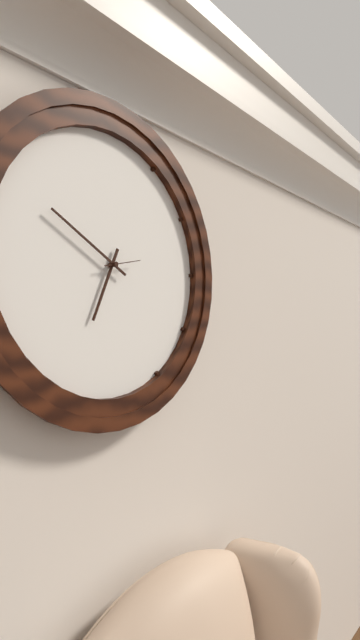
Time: 6h50
